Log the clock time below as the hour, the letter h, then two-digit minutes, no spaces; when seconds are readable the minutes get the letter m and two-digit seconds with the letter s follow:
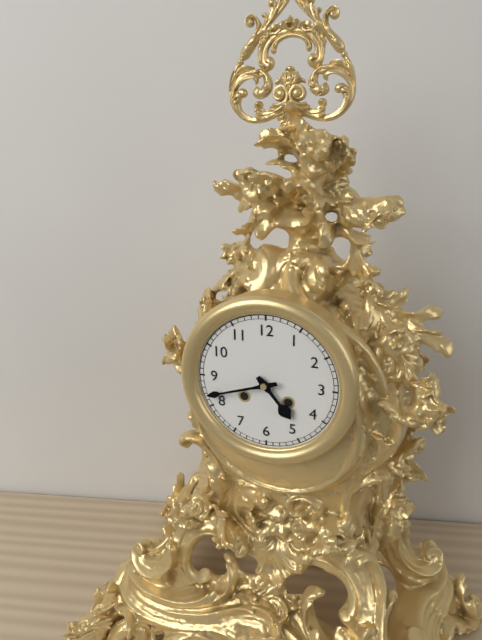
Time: 4h42
